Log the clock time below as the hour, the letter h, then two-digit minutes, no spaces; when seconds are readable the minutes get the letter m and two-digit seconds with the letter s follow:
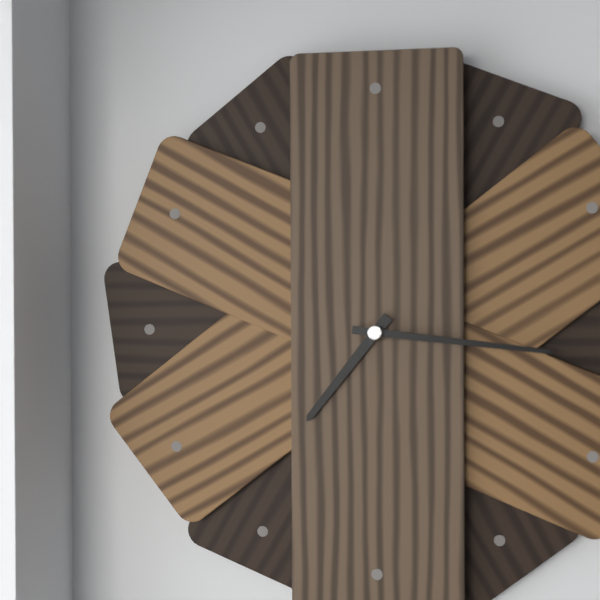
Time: 7h16
